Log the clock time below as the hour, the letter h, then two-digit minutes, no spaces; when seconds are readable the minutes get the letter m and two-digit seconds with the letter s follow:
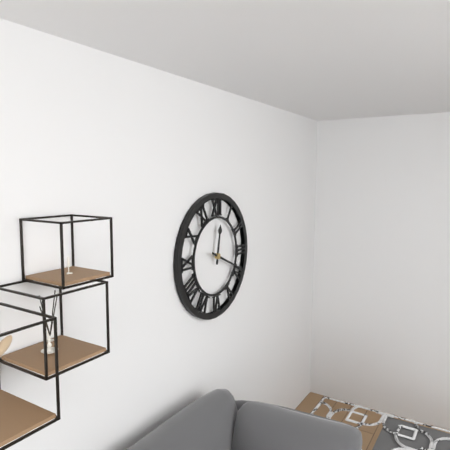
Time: 12h19
